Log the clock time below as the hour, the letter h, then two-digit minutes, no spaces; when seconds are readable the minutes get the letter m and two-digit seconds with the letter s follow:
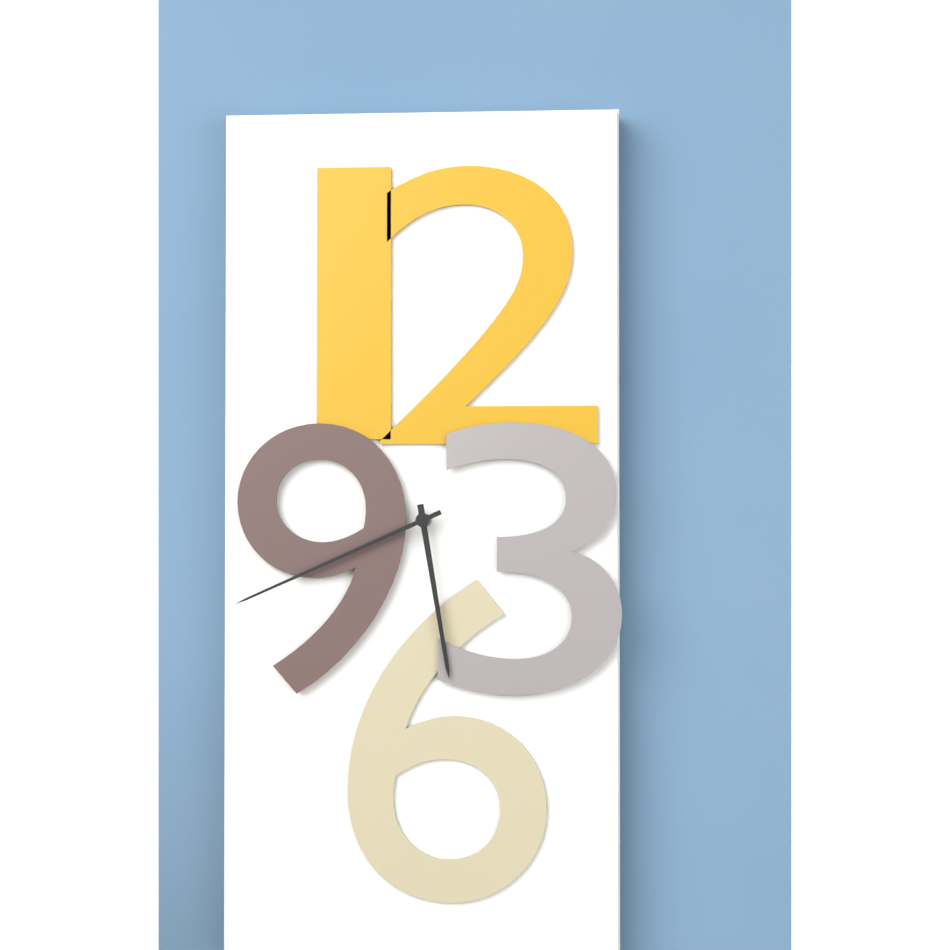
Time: 5h41
